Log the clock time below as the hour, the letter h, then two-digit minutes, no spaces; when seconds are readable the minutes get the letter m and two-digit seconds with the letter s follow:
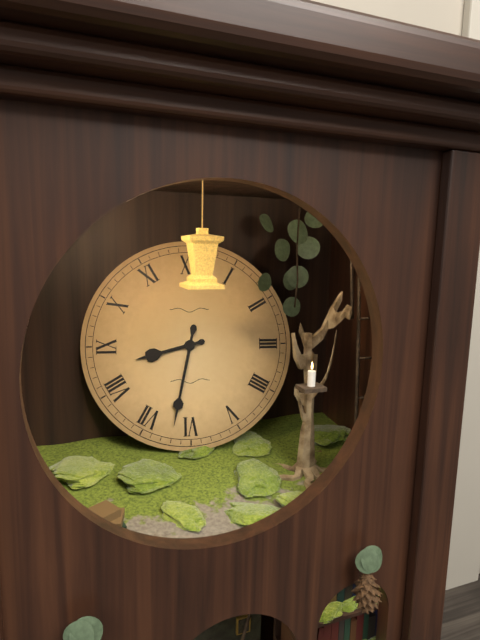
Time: 8h32
